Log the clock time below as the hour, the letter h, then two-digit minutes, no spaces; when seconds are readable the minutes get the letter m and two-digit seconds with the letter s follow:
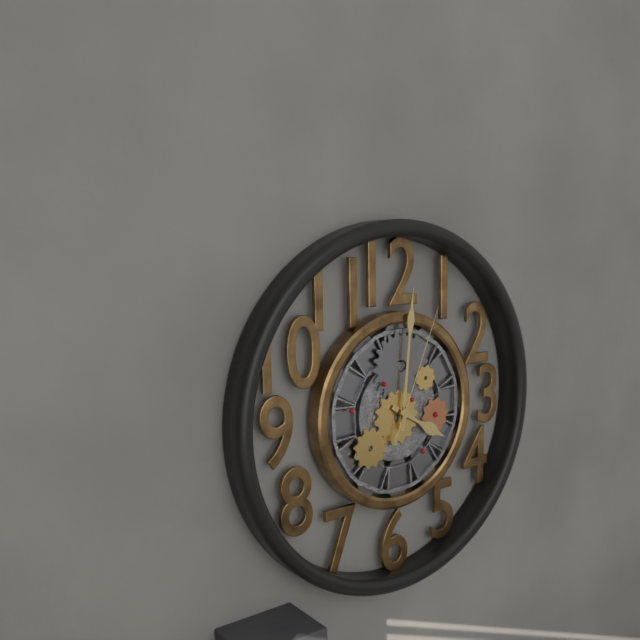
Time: 4h01m04s
